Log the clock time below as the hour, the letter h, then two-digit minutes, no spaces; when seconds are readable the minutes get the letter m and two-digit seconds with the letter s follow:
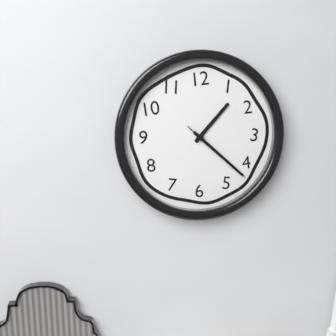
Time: 1h22m22s
